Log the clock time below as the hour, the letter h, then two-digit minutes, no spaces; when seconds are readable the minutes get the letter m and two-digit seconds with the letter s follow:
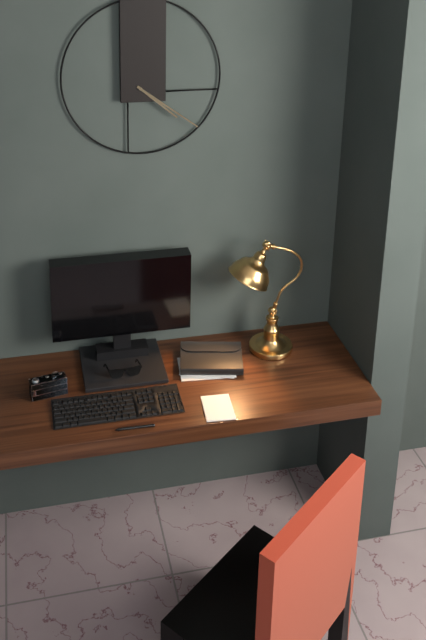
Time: 4h21
